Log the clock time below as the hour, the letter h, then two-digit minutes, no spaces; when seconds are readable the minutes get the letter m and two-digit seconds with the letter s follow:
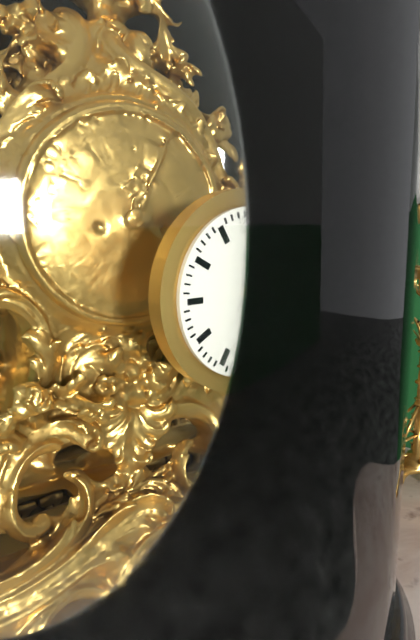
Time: 12h05
